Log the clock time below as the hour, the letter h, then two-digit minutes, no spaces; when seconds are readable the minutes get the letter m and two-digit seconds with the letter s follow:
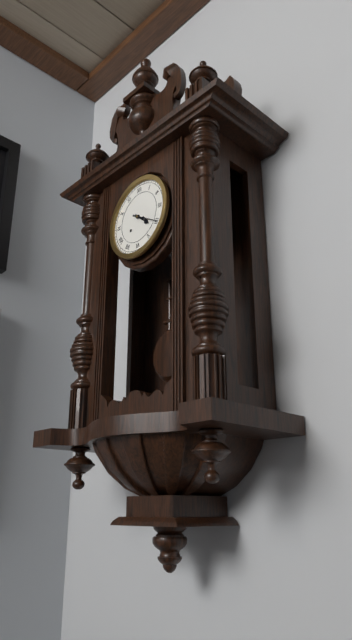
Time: 4h20
